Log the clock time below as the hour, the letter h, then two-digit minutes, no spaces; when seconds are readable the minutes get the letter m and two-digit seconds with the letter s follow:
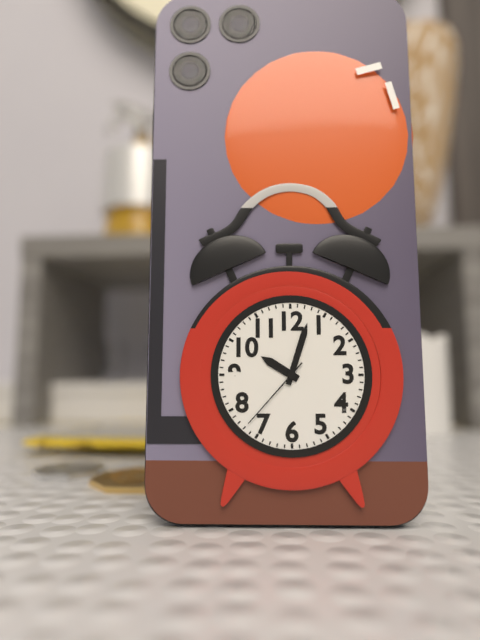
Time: 10h03m37s
